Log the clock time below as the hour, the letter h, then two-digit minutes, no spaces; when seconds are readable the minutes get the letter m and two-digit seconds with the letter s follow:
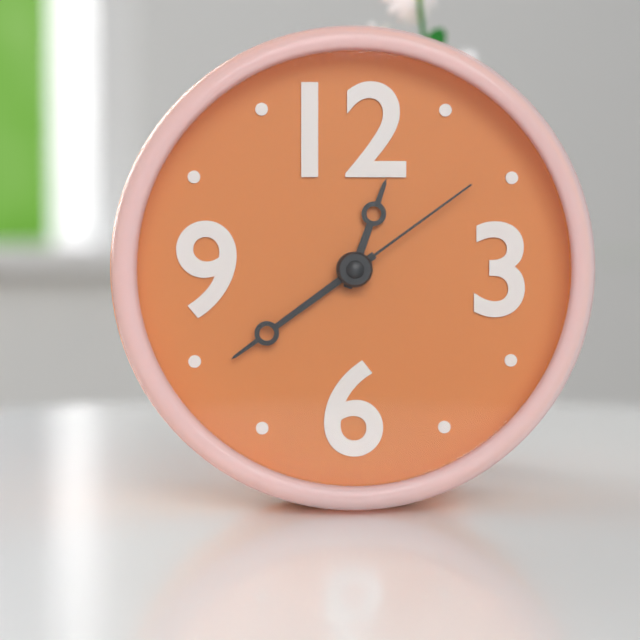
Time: 12h39m09s
